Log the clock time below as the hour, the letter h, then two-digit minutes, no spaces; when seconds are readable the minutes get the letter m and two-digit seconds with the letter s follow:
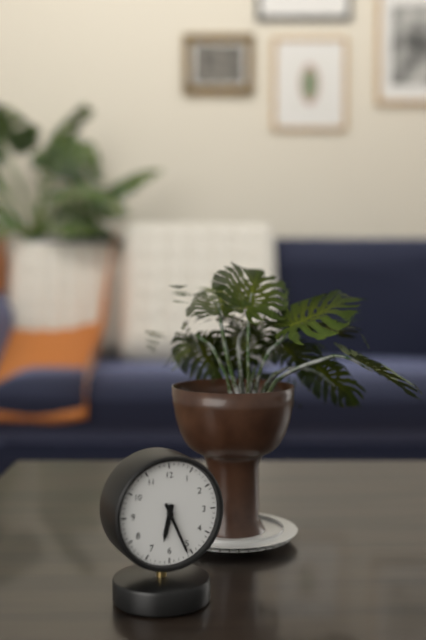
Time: 6h26
